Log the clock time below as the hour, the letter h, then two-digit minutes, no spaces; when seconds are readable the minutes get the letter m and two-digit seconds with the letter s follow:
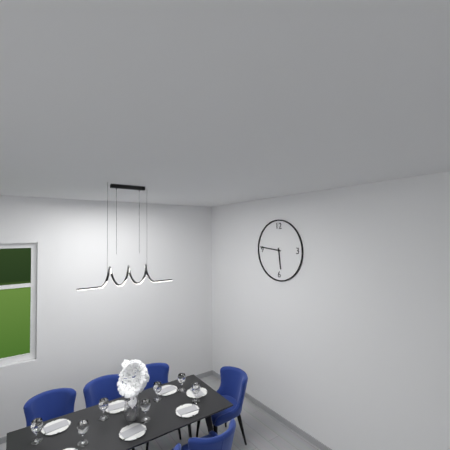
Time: 5h46
